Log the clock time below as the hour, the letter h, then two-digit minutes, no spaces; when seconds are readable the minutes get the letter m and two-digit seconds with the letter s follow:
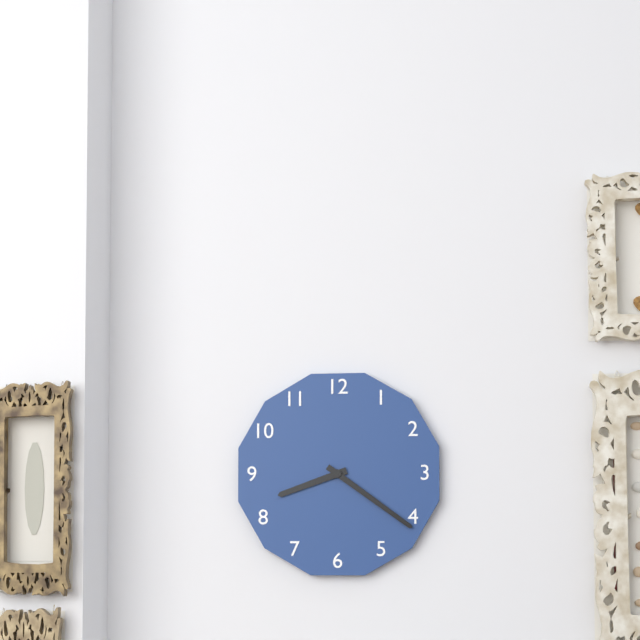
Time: 8h21
